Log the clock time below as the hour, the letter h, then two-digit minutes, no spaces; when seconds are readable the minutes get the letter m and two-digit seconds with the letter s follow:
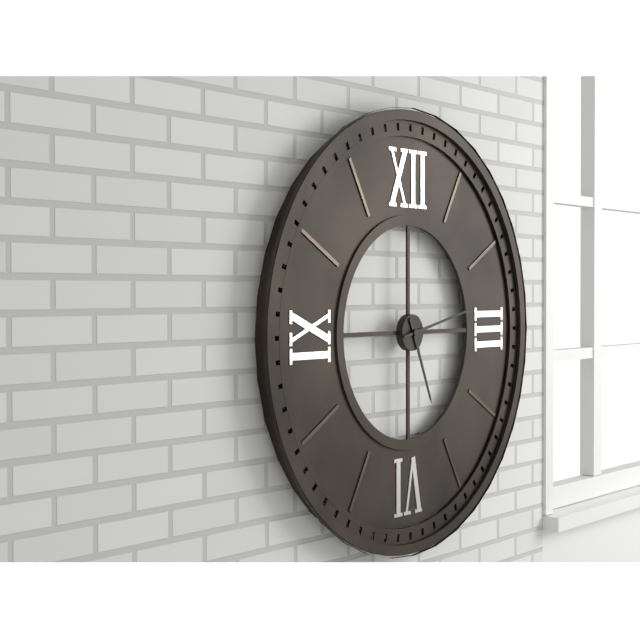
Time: 5h13
